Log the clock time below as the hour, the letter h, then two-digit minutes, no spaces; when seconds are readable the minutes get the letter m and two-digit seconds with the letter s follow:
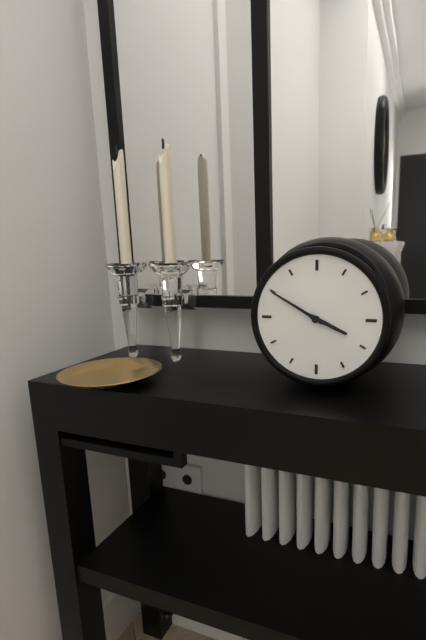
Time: 3h50
